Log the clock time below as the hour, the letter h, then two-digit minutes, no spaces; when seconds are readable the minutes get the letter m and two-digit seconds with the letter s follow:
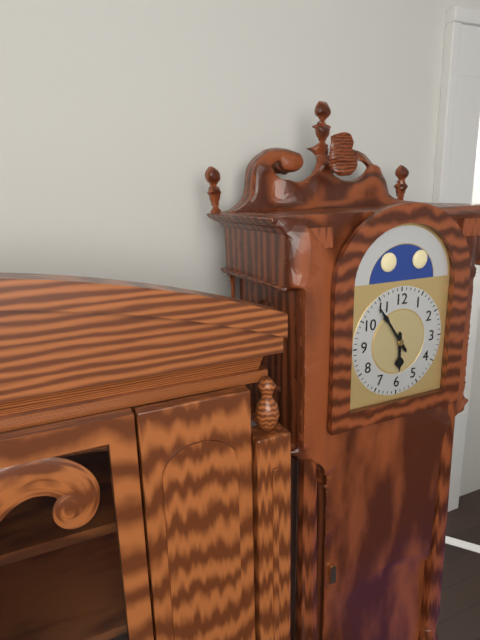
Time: 5h54
